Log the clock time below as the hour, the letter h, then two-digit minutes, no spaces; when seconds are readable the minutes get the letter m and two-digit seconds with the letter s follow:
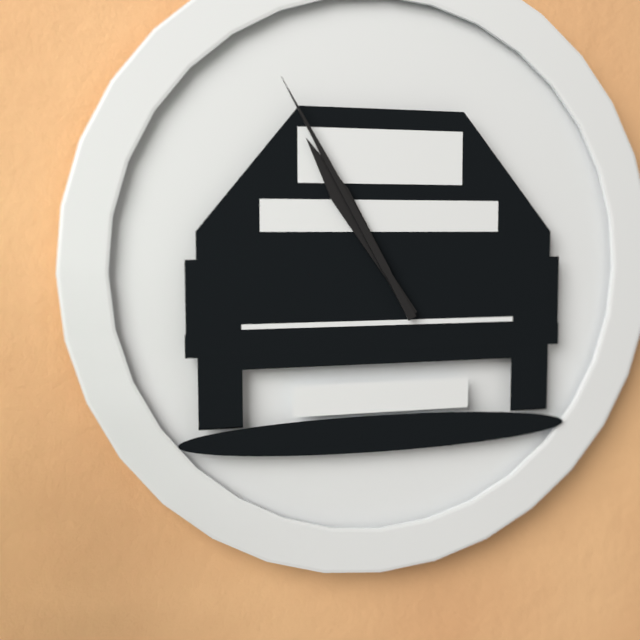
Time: 10h55
